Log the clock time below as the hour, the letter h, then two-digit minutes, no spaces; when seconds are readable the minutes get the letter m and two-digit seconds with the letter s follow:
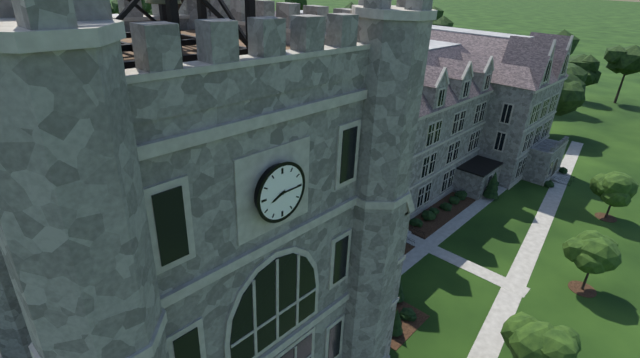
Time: 8h15
